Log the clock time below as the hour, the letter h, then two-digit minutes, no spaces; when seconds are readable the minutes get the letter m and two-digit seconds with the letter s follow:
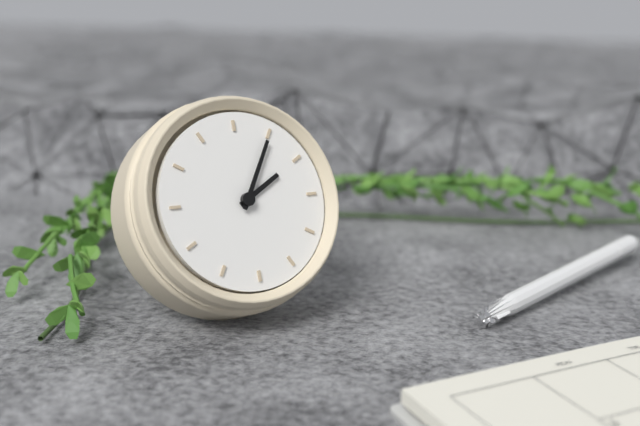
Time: 1h00
